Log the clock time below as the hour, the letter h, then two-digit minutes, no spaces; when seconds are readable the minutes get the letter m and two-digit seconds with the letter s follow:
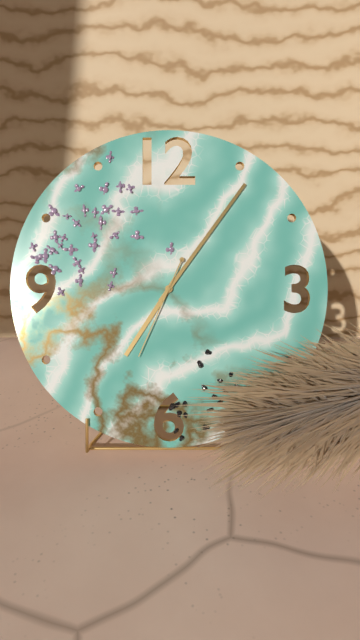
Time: 7h06m34s
